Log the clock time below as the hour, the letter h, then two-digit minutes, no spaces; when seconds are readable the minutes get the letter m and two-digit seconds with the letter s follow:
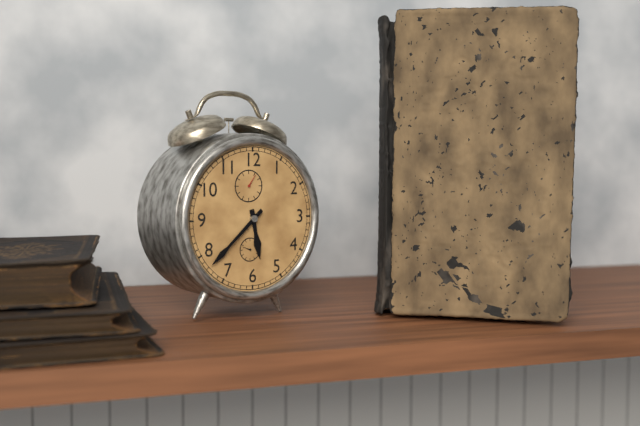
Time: 5h38
